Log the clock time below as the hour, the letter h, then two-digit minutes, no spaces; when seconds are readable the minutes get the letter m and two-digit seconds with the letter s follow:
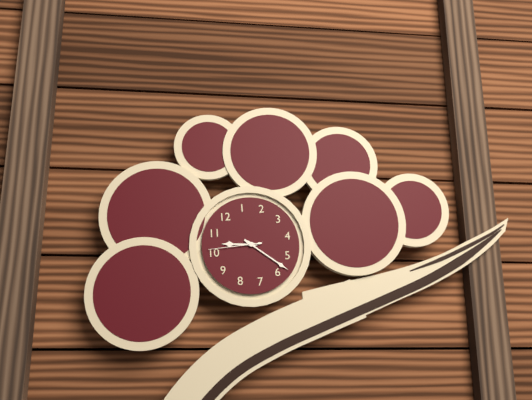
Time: 10h28m51s
